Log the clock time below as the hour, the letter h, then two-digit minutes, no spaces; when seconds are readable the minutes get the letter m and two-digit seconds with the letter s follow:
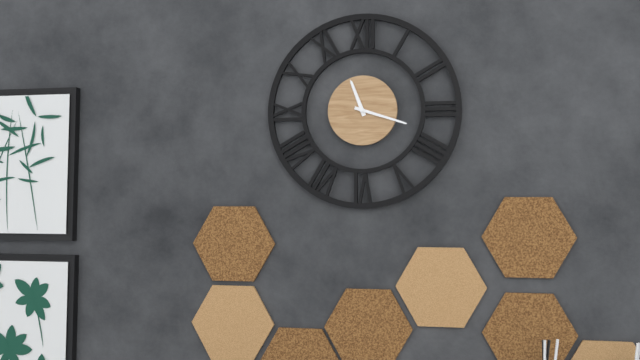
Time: 11h18
